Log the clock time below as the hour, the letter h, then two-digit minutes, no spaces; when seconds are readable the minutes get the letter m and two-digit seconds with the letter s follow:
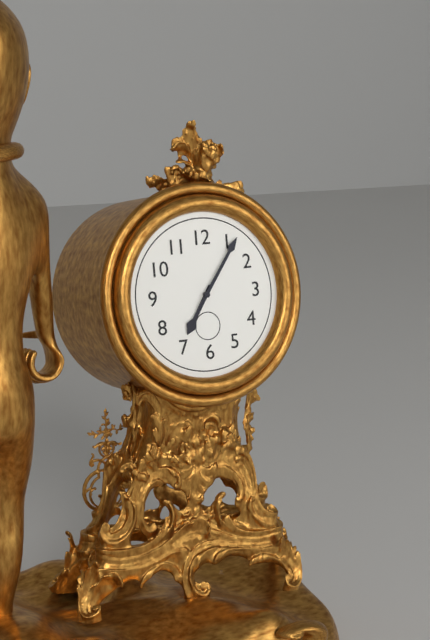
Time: 7h06
